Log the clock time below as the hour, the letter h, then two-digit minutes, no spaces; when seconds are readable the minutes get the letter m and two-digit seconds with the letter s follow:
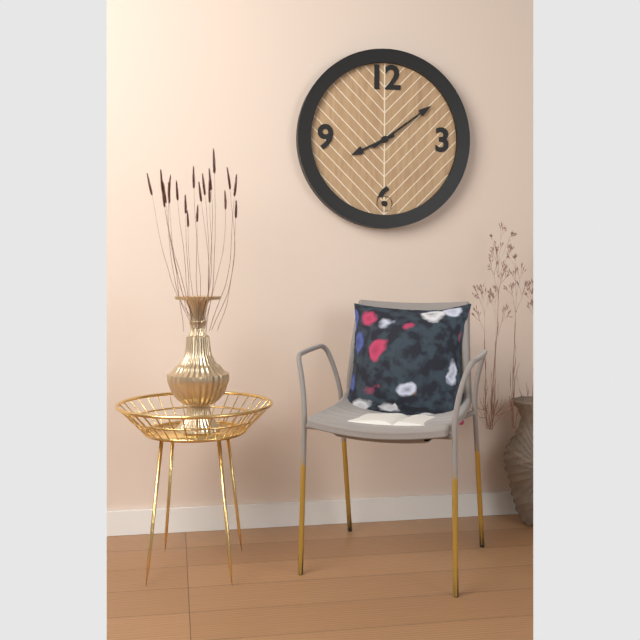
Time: 8h09
